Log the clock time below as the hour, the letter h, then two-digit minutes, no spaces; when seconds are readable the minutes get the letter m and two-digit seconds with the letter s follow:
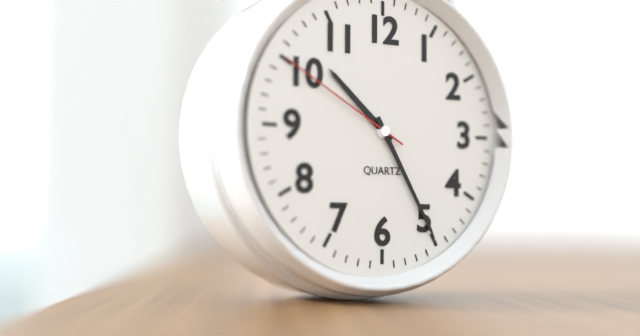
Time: 10h25m50s
